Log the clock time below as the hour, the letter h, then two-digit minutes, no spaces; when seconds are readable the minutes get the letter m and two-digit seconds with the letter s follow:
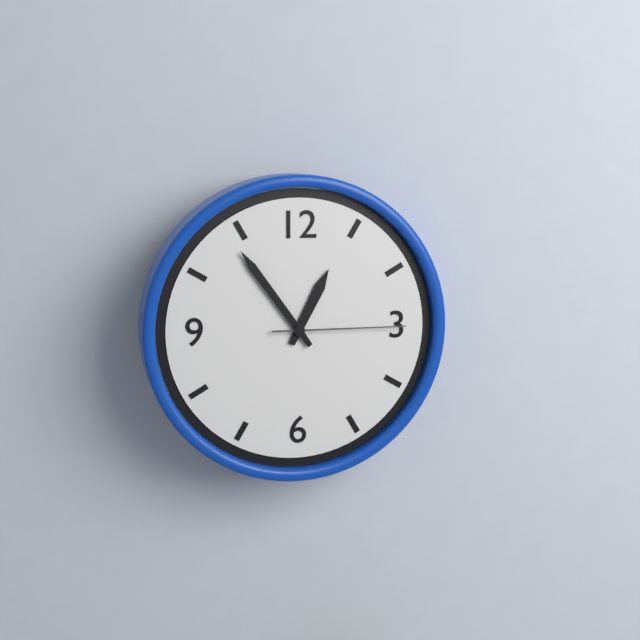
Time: 12h54m15s
